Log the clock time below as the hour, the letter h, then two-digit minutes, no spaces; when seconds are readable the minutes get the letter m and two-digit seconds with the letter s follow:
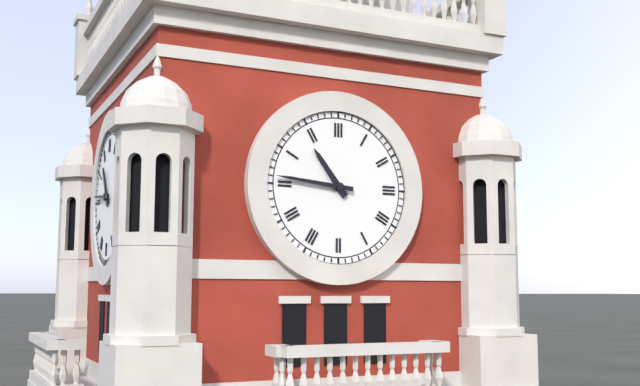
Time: 10h46
